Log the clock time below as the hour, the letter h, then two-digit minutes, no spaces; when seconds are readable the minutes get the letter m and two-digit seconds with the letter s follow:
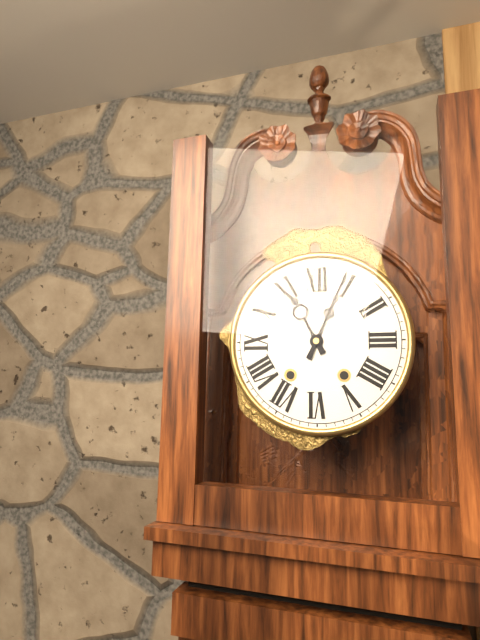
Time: 11h04
